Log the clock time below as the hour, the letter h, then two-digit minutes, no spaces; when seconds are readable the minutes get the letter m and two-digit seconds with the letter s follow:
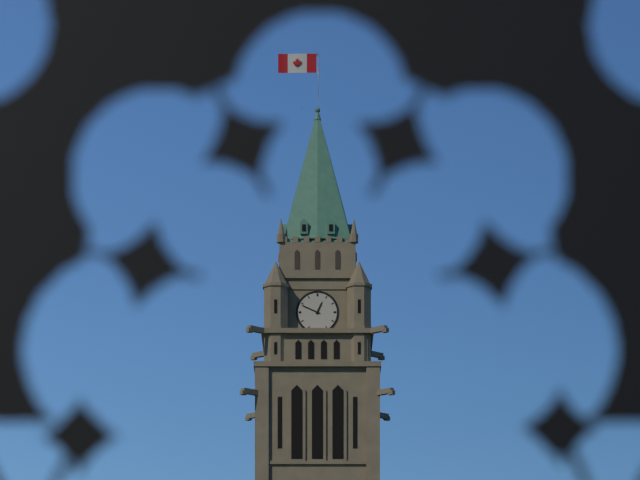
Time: 12h49
